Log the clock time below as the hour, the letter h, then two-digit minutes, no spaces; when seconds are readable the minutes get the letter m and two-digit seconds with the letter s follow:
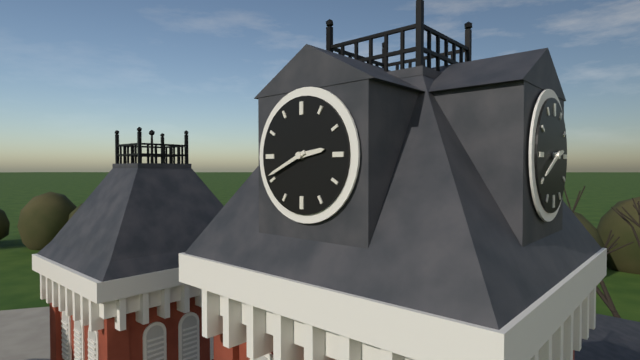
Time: 2h41
